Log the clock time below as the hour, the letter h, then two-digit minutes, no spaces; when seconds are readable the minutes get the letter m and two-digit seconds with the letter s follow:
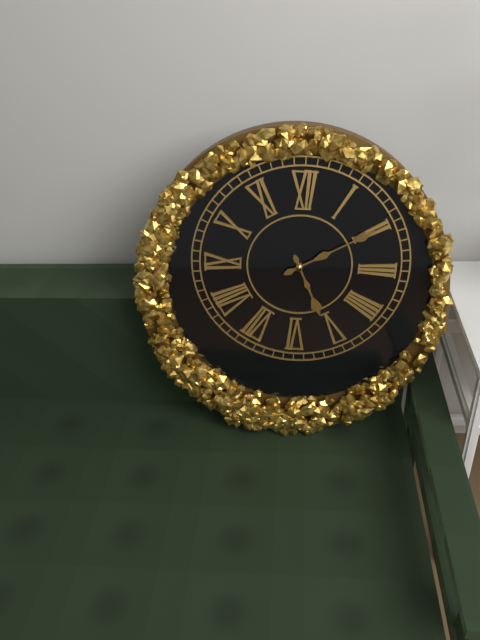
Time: 5h10
